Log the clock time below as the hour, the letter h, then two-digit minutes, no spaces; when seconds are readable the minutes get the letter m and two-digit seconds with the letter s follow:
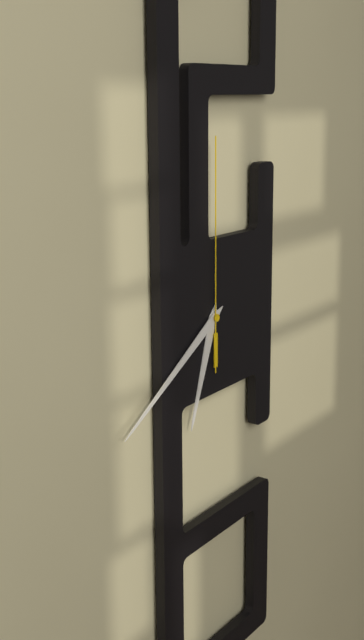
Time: 6h40m00s
